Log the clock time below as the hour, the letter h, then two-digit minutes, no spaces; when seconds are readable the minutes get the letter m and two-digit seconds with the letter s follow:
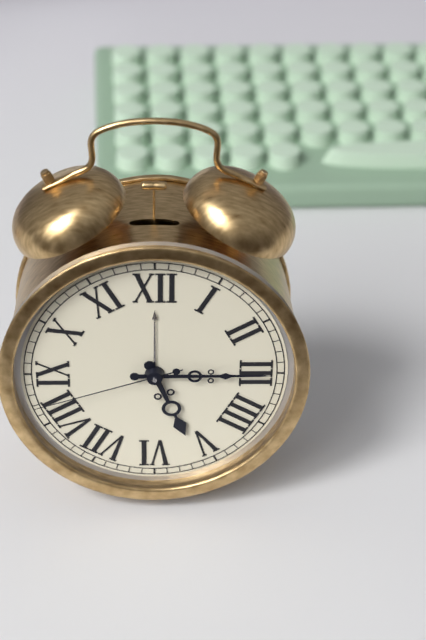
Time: 5h15m42s
